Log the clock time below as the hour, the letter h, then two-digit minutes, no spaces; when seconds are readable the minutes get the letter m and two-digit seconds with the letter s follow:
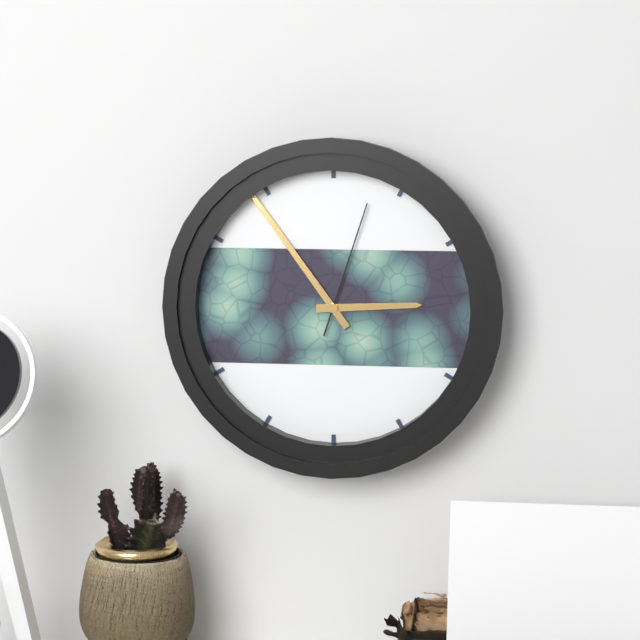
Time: 2h54m03s
